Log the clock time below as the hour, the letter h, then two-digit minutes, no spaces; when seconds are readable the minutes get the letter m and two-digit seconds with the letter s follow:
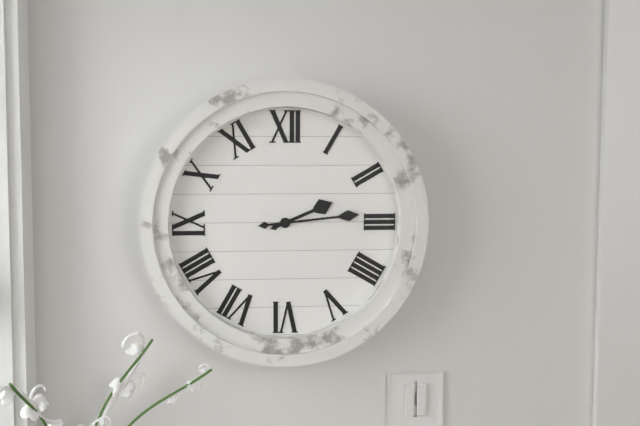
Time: 2h14
